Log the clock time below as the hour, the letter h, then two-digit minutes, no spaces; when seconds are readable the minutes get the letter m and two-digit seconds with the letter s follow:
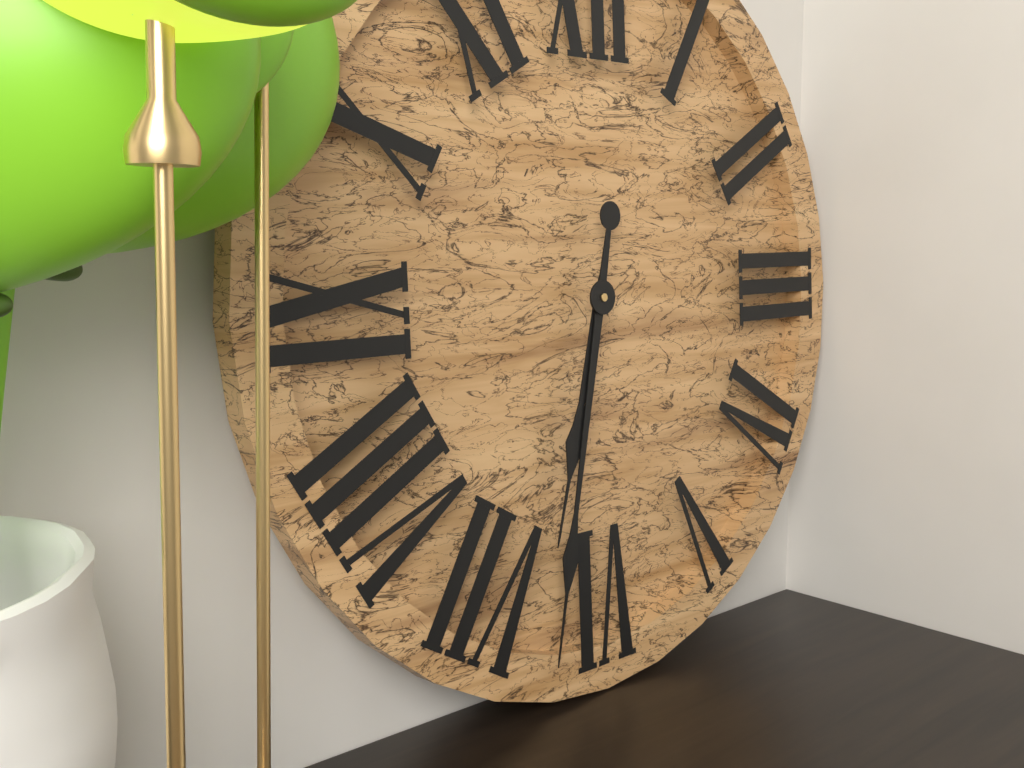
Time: 6h32
